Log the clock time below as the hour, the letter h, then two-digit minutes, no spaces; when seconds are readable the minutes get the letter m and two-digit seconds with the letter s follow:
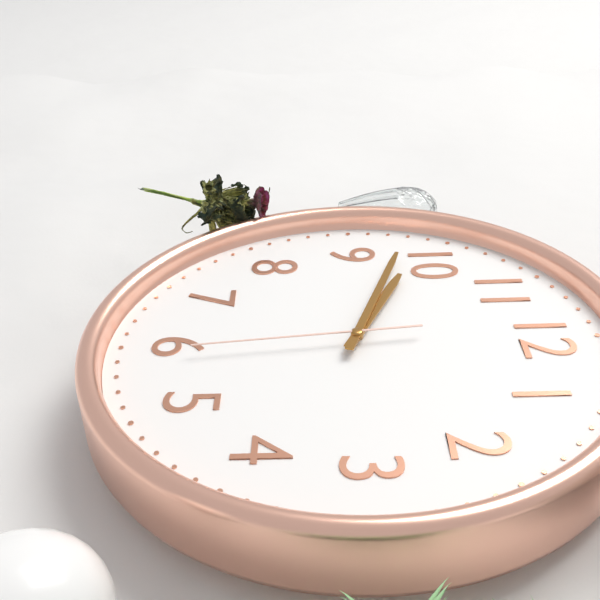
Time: 9h48m29s
